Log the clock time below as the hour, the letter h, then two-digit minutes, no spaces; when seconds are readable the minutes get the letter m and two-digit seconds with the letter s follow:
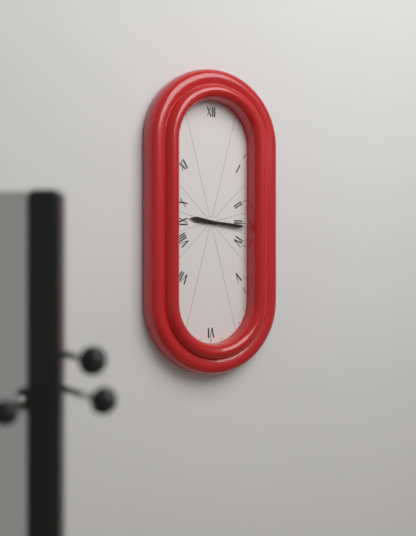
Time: 9h16
